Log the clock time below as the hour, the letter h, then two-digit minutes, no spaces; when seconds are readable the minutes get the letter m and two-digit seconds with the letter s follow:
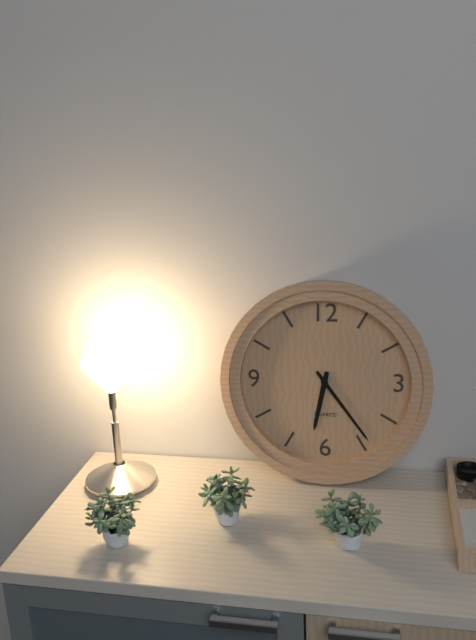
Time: 6h24
